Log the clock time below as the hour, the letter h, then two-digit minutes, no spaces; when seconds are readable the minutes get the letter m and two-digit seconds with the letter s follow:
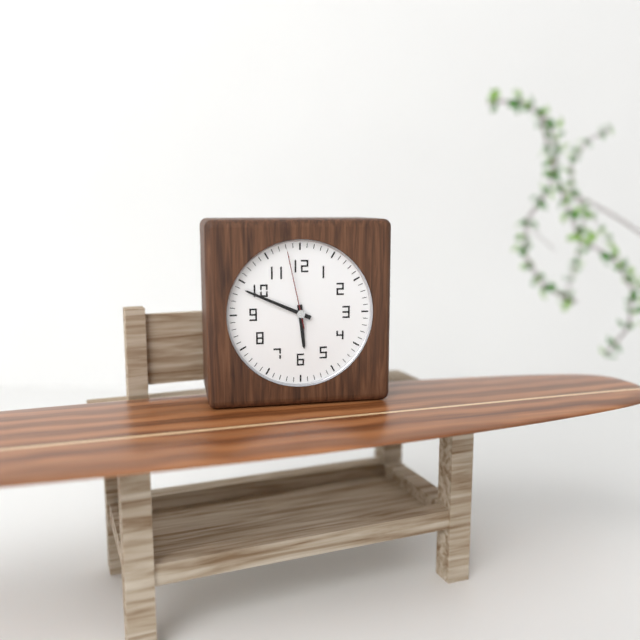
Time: 5h49m58s
